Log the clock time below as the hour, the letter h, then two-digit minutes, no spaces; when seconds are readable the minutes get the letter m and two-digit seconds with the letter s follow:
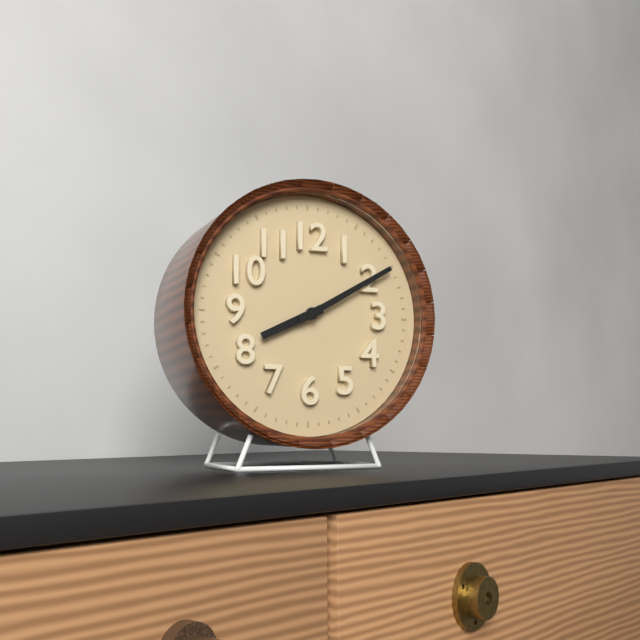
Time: 8h10
